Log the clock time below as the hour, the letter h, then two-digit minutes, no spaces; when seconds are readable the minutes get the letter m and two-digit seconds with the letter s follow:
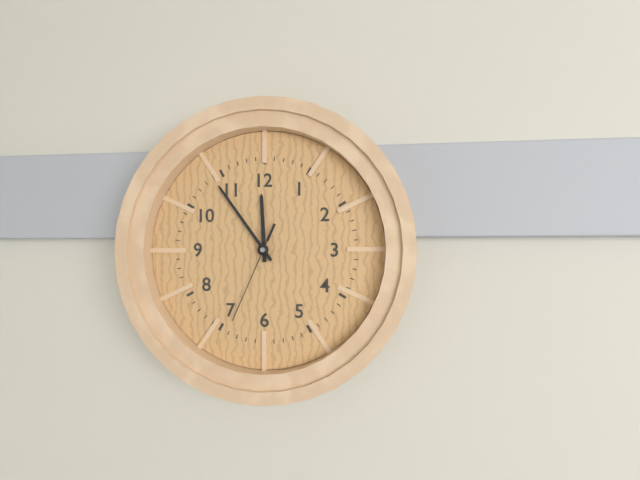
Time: 11h54m34s
